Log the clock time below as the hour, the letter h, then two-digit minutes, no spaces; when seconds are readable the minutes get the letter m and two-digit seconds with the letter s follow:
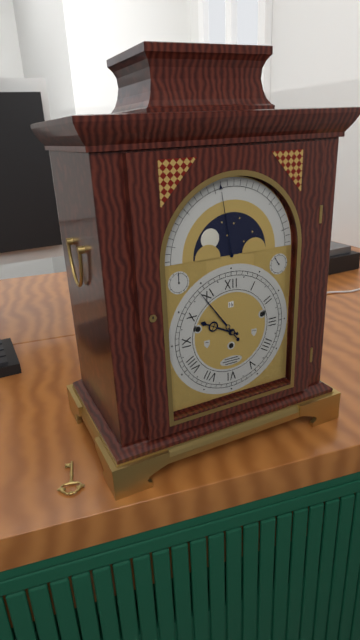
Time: 9h54
